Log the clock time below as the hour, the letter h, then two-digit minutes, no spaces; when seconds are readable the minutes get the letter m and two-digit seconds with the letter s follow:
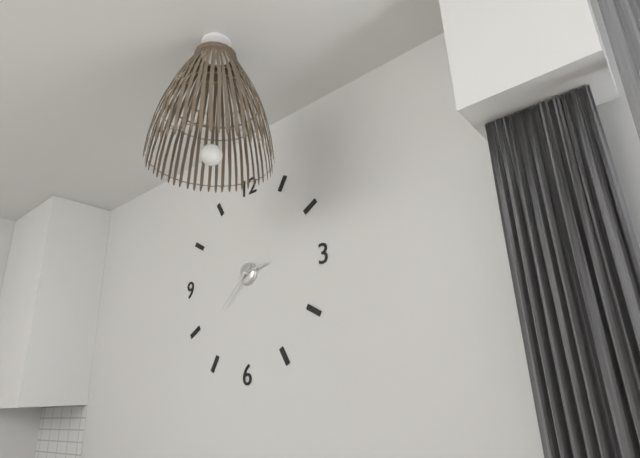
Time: 2h38
